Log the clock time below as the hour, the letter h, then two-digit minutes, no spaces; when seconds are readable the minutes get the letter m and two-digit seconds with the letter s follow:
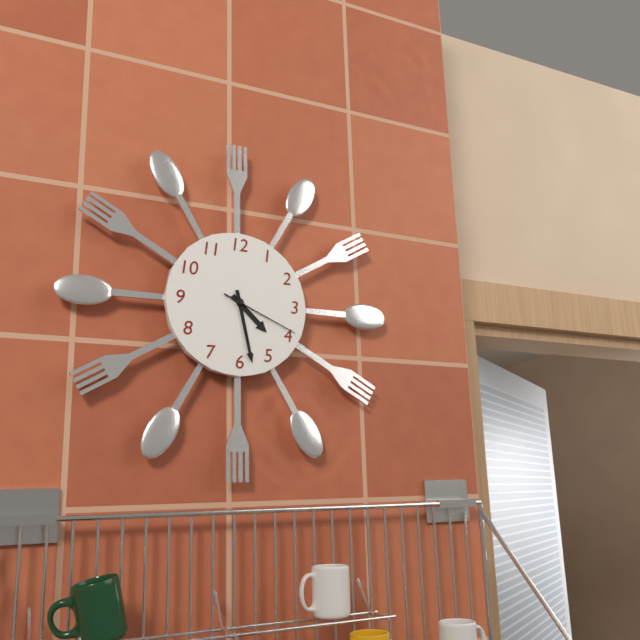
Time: 4h28m19s
